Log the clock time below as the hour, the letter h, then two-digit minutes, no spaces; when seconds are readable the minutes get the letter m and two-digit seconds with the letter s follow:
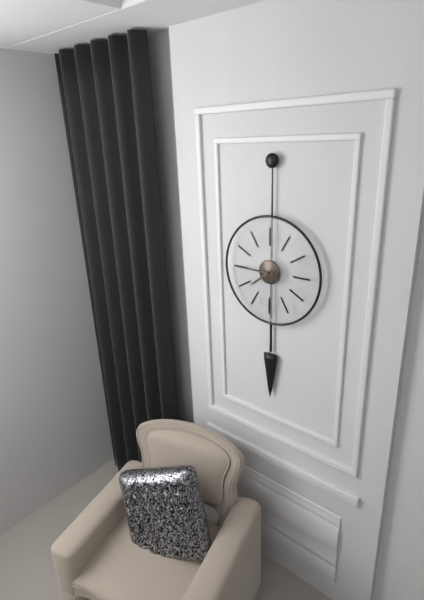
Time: 7h45
